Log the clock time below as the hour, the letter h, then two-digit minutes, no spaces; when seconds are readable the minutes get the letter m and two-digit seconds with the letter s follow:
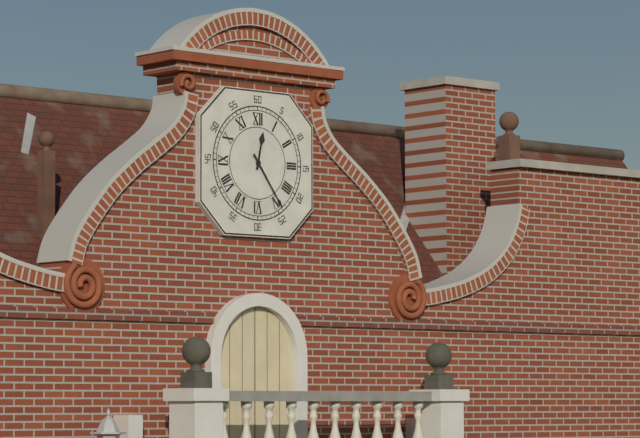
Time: 12h24
